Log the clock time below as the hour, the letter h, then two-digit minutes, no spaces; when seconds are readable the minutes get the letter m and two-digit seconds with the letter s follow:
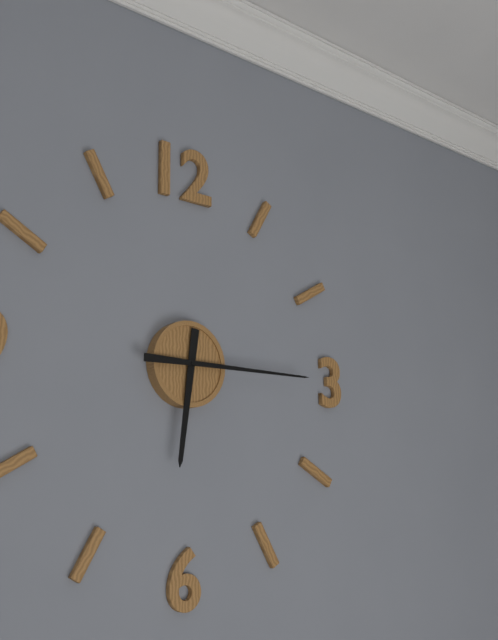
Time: 6h15
